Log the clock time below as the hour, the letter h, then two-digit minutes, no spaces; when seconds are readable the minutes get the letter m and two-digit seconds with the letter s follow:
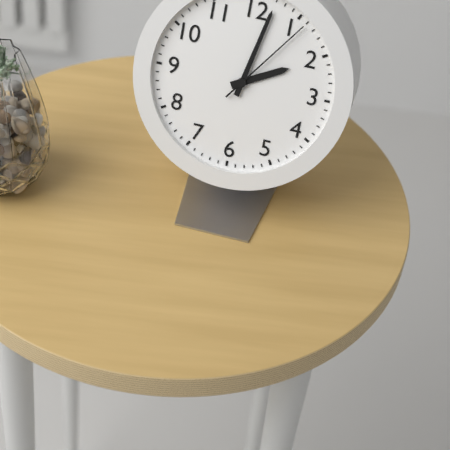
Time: 2h02m06s
